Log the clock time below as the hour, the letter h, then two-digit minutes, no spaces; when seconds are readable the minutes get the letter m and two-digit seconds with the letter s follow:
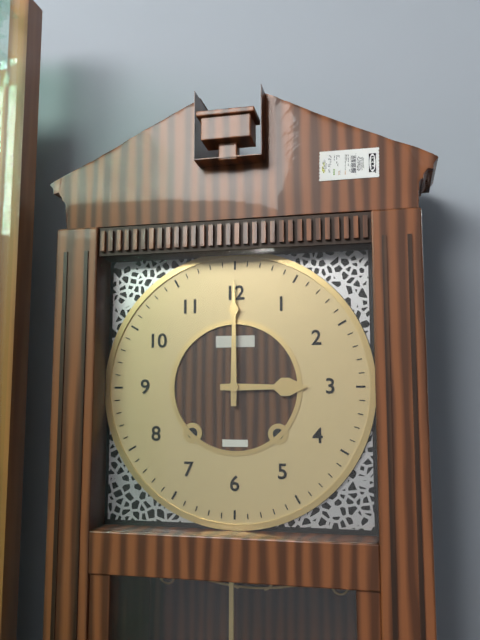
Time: 3h00
